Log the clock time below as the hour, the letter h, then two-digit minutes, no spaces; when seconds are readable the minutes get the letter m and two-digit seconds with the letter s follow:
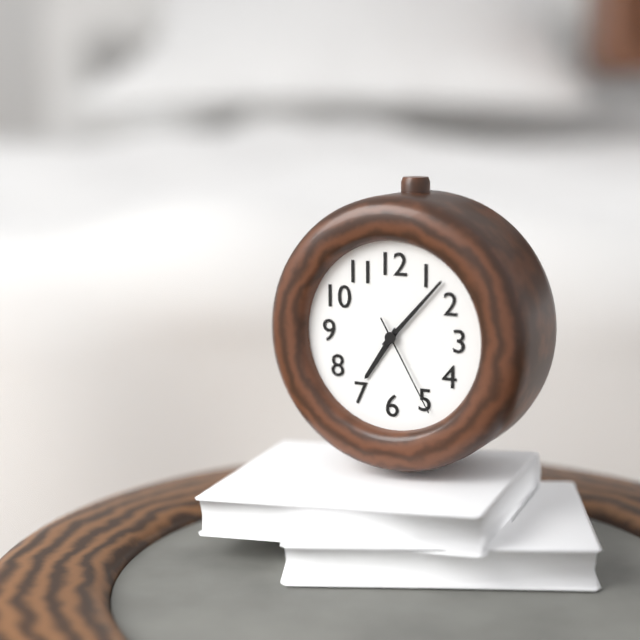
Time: 7h07m25s
